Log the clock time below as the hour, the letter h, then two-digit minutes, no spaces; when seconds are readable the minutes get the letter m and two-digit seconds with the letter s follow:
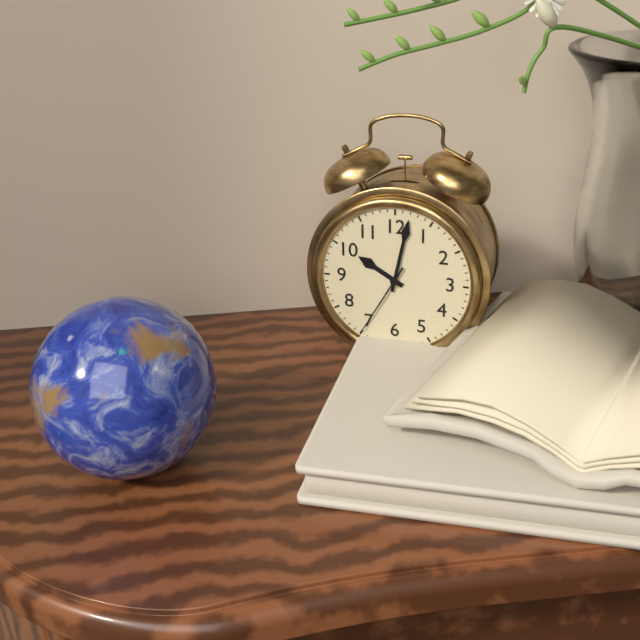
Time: 10h02m35s
